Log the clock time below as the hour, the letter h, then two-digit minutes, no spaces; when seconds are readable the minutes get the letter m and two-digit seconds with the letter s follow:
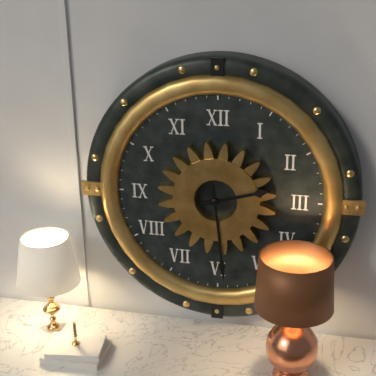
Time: 2h29
